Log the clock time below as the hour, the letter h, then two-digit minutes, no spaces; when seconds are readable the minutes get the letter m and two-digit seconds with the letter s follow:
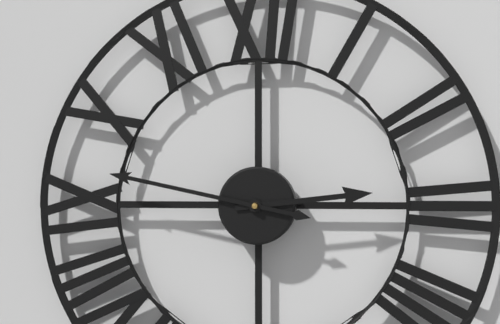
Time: 2h47
